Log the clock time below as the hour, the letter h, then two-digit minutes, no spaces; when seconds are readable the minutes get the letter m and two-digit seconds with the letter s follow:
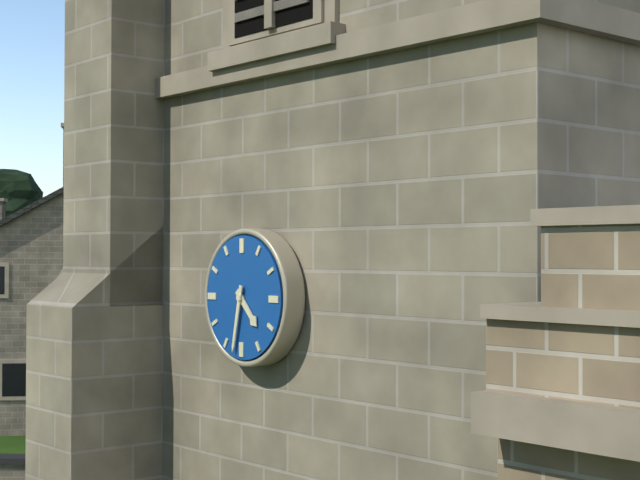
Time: 4h32
